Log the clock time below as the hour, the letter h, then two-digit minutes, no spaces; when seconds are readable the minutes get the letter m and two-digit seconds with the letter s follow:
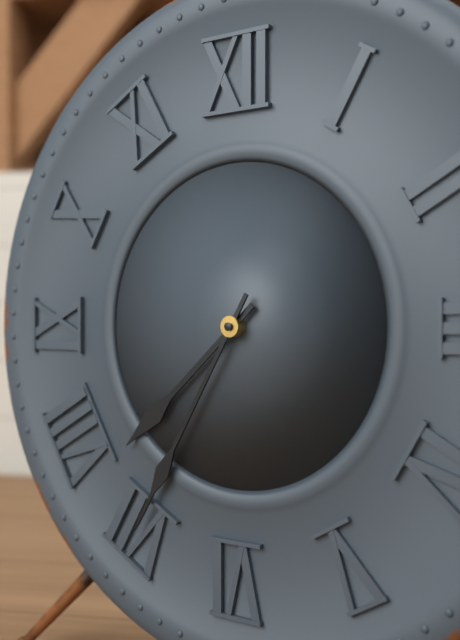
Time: 7h35
